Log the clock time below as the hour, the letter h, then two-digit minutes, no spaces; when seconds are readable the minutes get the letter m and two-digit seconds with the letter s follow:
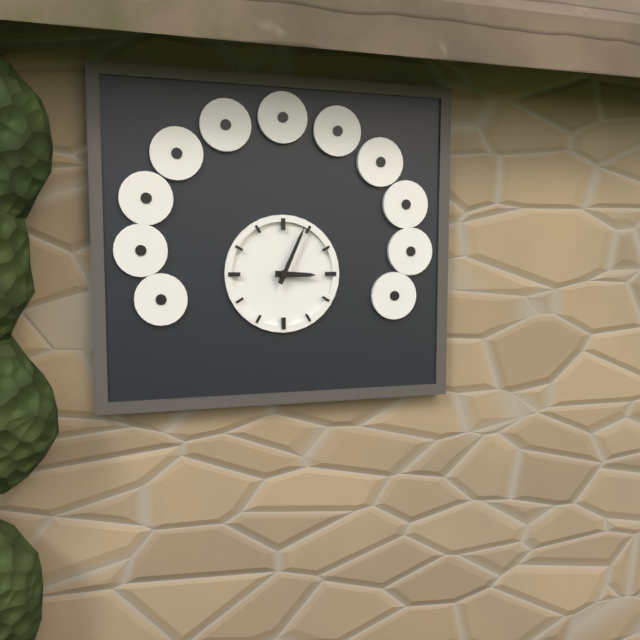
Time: 3h04
